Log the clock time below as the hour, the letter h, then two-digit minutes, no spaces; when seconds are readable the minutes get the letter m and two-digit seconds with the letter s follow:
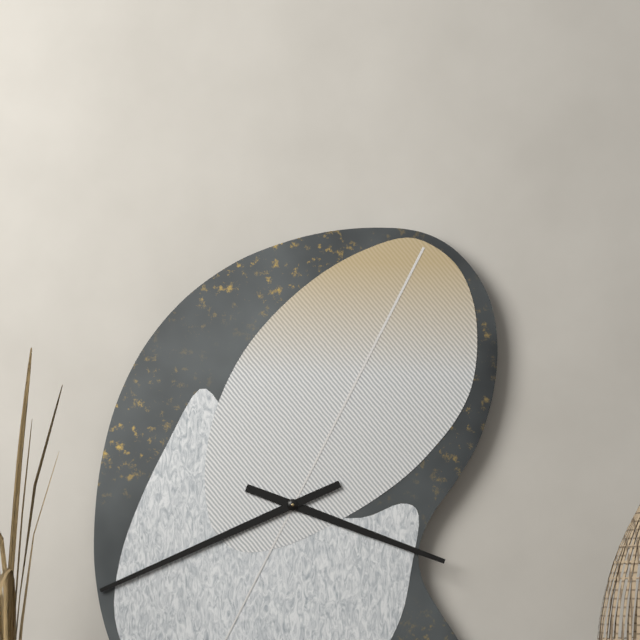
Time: 3h41
